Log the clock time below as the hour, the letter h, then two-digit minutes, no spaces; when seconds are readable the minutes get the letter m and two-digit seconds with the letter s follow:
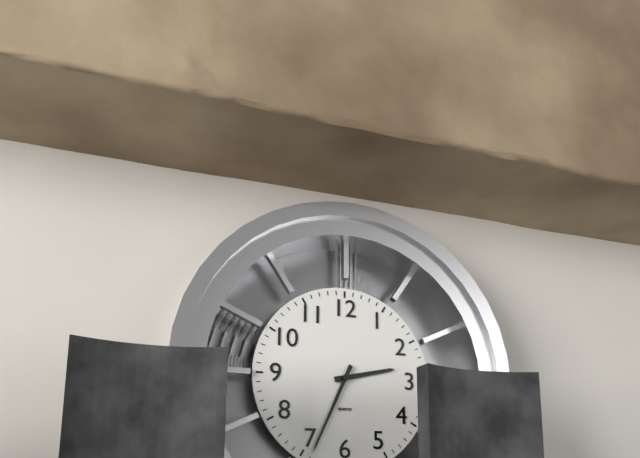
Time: 2h34
